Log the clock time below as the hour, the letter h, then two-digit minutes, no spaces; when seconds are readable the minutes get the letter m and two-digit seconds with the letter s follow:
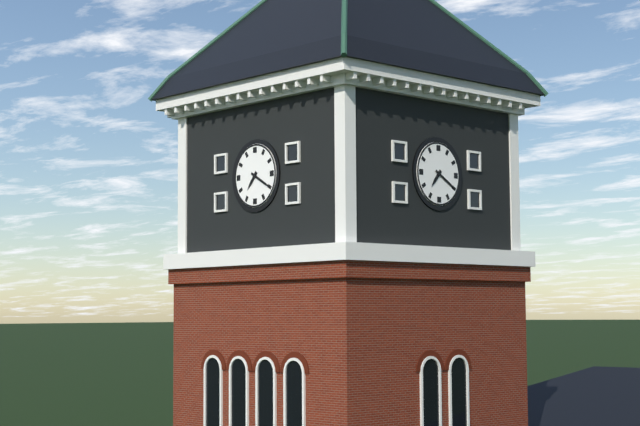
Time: 7h20
